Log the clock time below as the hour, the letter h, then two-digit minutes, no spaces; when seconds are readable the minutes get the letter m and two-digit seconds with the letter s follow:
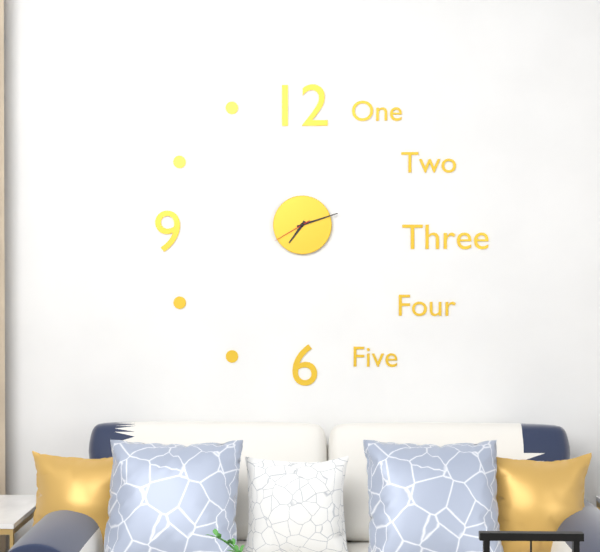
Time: 7h12
